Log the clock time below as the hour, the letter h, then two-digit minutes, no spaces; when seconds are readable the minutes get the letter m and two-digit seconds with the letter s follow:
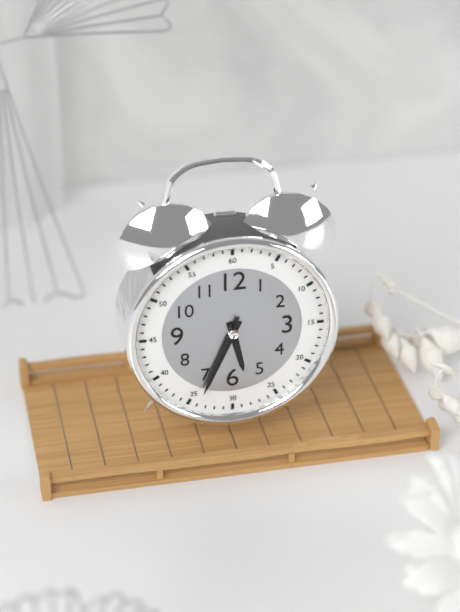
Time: 5h34
